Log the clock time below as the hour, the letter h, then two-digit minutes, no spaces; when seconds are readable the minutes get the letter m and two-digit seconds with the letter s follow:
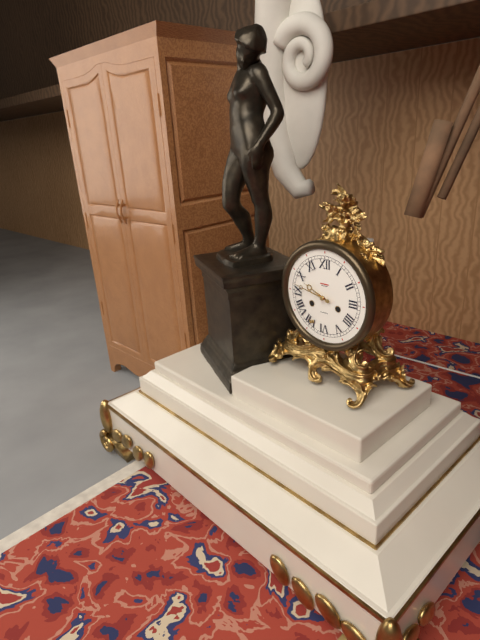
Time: 9h47
